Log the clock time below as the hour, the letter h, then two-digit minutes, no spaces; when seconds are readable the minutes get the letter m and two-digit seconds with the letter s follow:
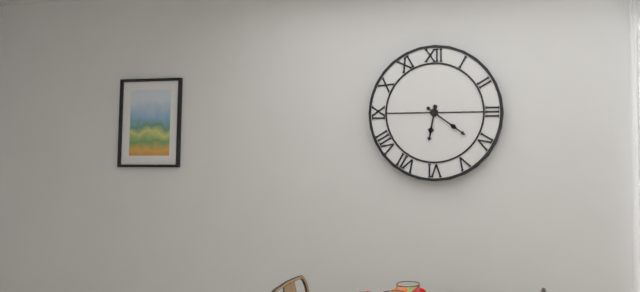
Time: 6h21
